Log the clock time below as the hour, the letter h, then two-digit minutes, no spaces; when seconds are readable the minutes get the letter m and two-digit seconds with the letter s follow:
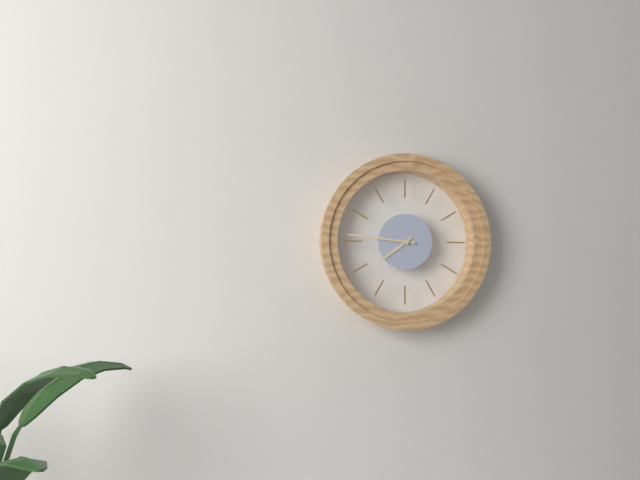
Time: 7h46
